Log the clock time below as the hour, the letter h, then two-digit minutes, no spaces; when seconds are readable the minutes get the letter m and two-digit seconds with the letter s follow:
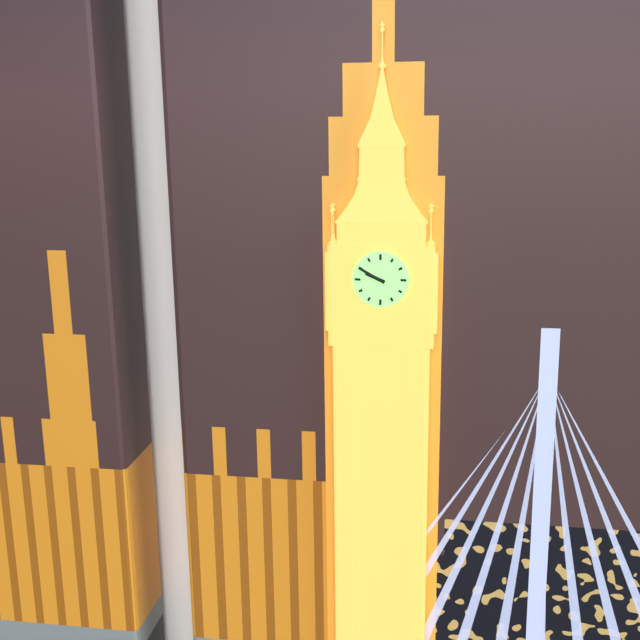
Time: 9h50
